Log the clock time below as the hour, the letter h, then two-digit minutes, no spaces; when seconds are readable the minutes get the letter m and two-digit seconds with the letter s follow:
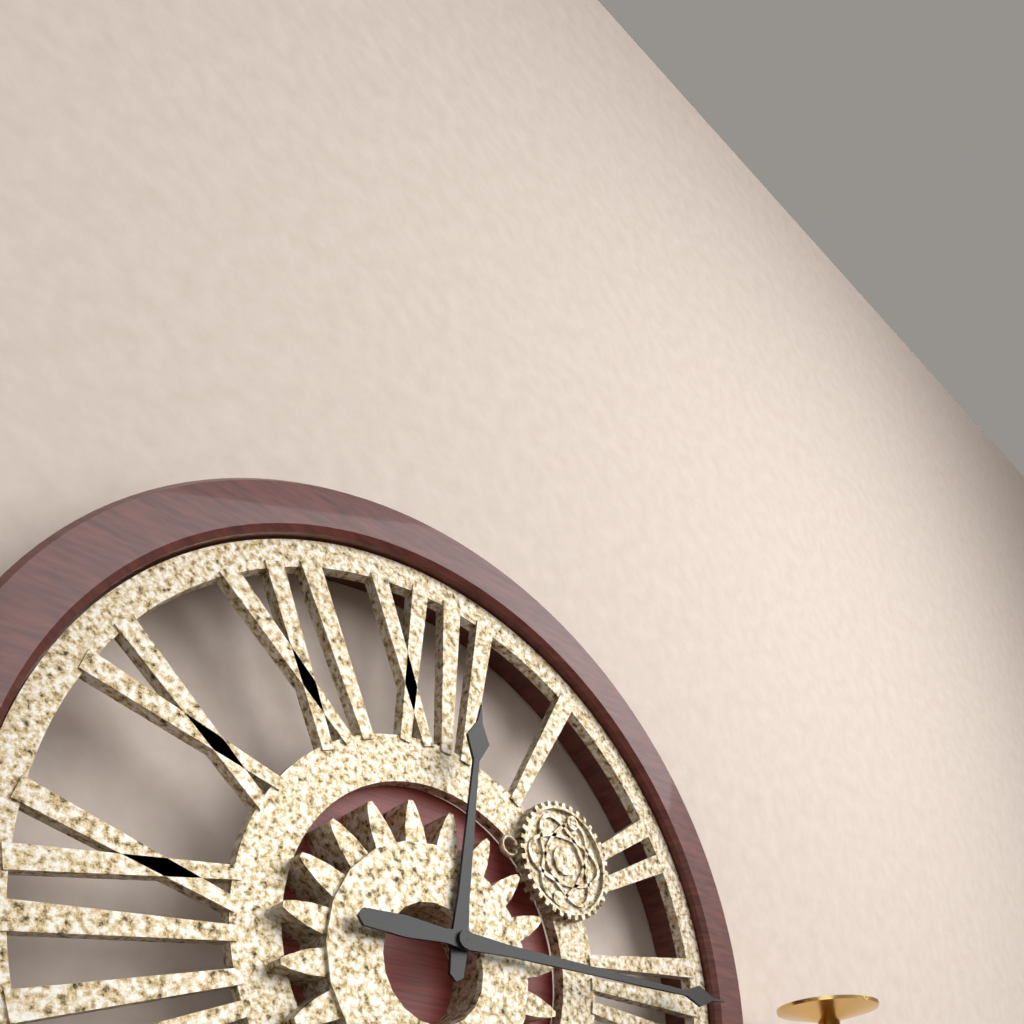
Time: 12h15
